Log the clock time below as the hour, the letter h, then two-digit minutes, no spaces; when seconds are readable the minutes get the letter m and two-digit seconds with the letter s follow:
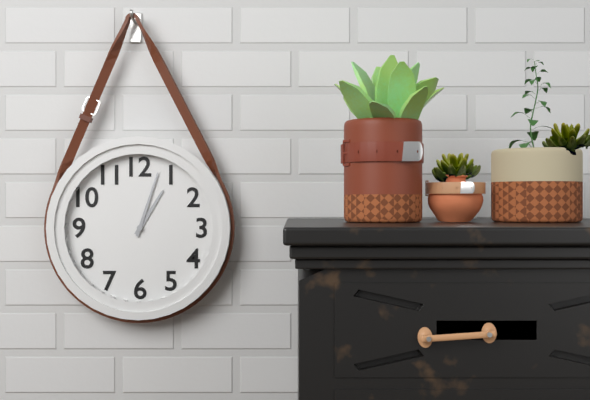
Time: 1h03
